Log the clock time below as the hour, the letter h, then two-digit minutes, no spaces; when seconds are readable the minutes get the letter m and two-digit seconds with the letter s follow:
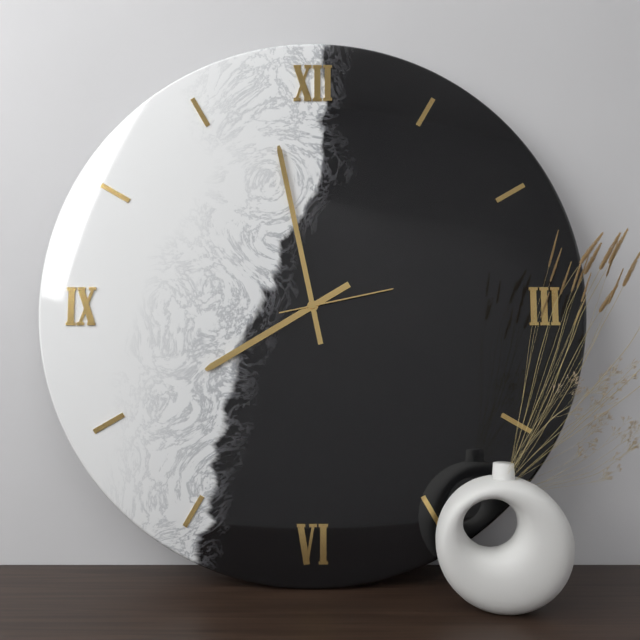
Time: 7h58m13s
